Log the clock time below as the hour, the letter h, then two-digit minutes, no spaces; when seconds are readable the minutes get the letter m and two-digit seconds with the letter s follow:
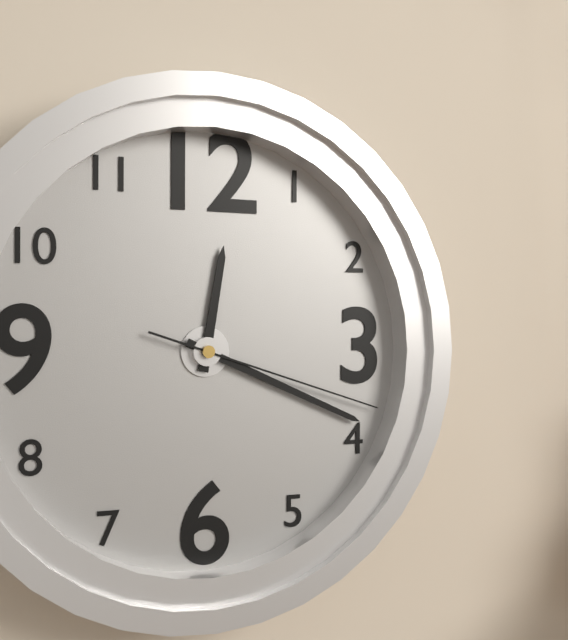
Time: 12h19m18s
